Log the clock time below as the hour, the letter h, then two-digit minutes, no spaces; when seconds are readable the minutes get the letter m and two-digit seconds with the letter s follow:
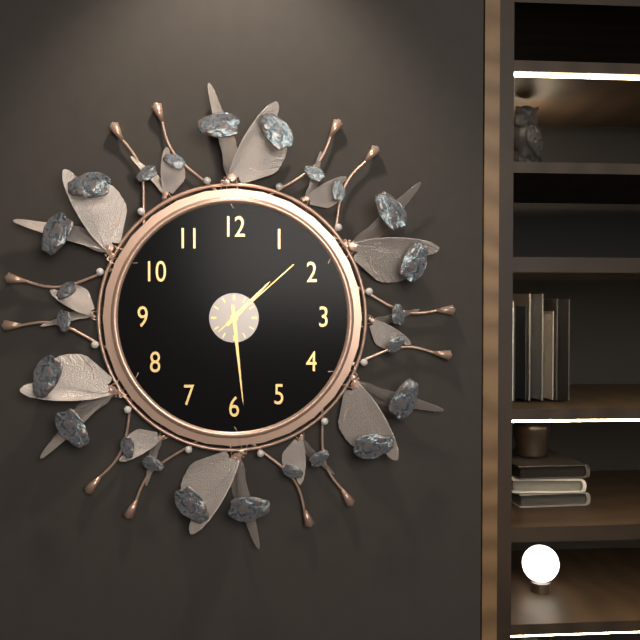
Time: 1h29m08s
